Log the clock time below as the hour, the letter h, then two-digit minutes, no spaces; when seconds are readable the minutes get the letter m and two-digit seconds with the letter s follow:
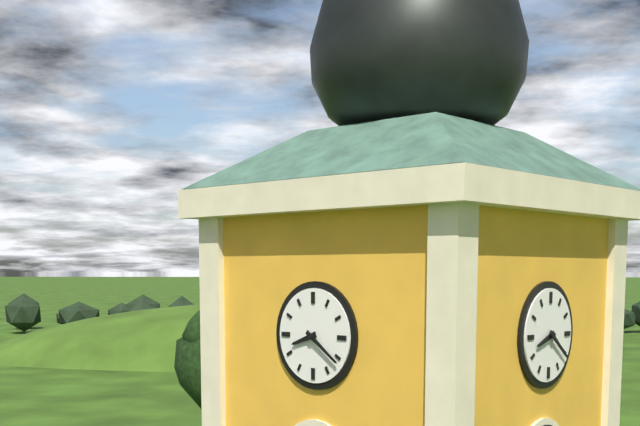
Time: 8h21
